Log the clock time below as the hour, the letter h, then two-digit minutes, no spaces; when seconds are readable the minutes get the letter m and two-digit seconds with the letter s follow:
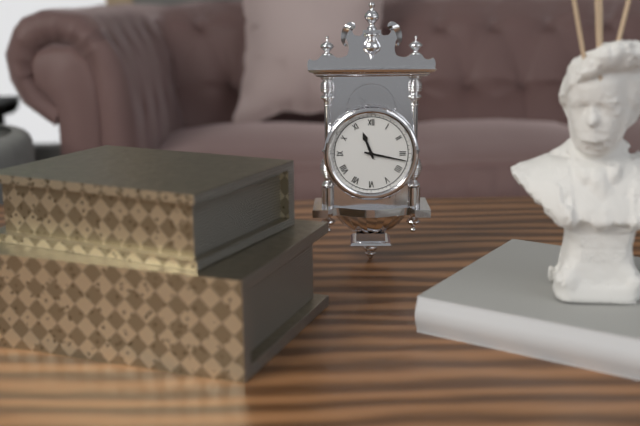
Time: 11h17
